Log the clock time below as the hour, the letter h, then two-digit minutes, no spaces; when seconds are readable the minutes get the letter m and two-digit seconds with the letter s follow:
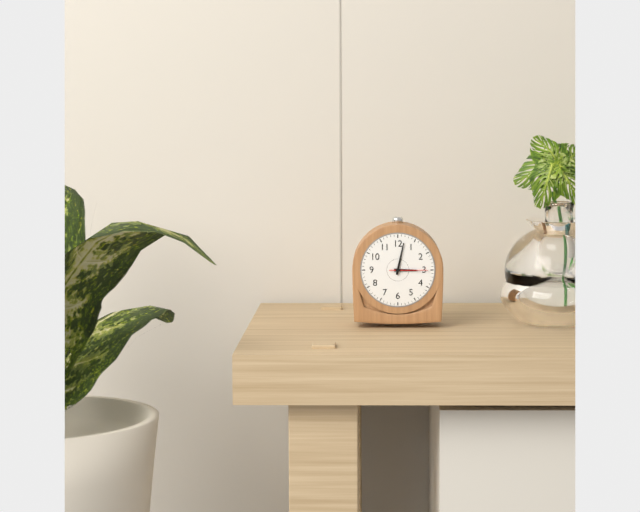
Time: 3h02
